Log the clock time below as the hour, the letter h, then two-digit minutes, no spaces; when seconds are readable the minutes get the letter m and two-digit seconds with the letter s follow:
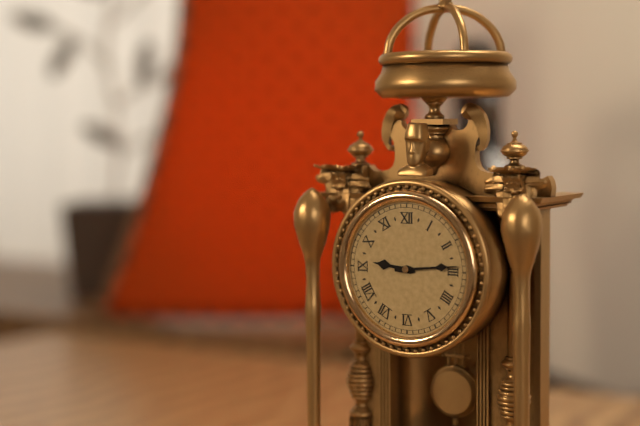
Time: 9h14
